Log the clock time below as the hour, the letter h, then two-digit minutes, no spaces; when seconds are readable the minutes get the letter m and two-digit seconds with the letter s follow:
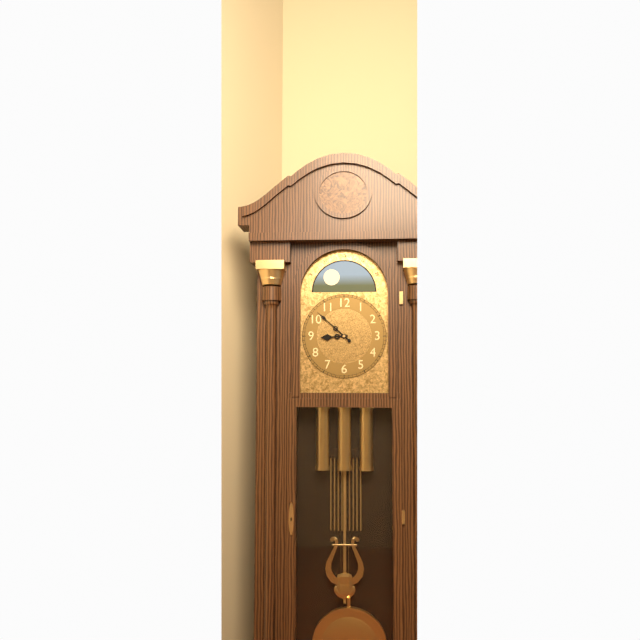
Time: 8h52
